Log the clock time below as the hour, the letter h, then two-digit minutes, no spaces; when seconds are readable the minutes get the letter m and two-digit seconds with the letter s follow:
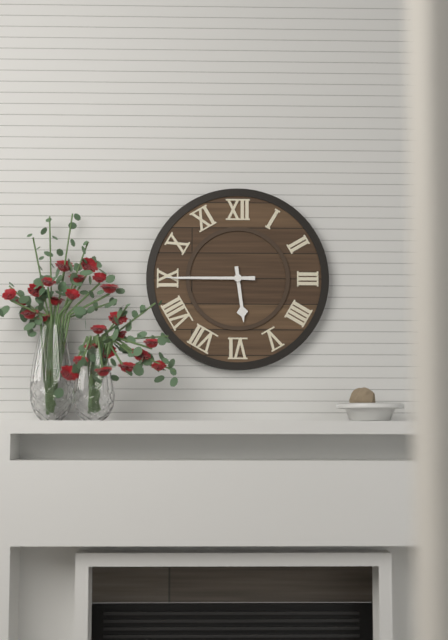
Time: 5h45
